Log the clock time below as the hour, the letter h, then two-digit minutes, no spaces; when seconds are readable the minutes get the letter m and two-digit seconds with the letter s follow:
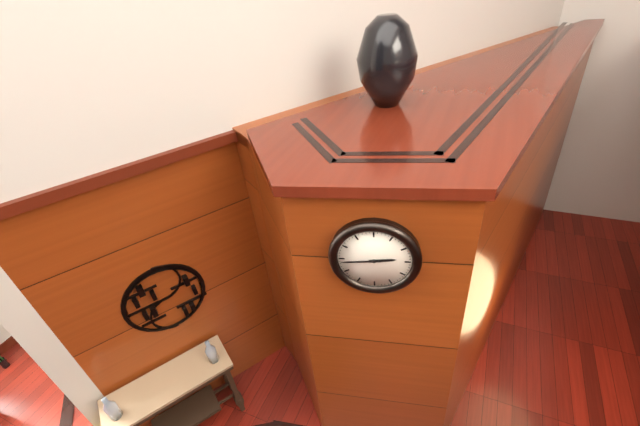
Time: 2h44
